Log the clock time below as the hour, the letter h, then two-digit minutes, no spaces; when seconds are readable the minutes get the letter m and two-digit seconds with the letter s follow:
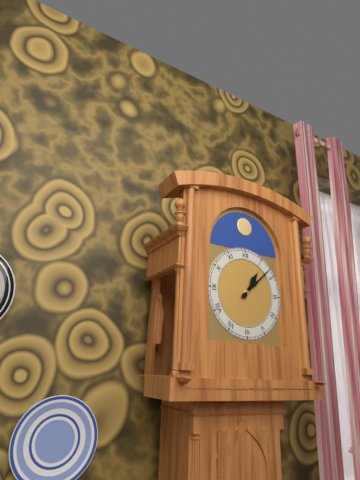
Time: 1h08
